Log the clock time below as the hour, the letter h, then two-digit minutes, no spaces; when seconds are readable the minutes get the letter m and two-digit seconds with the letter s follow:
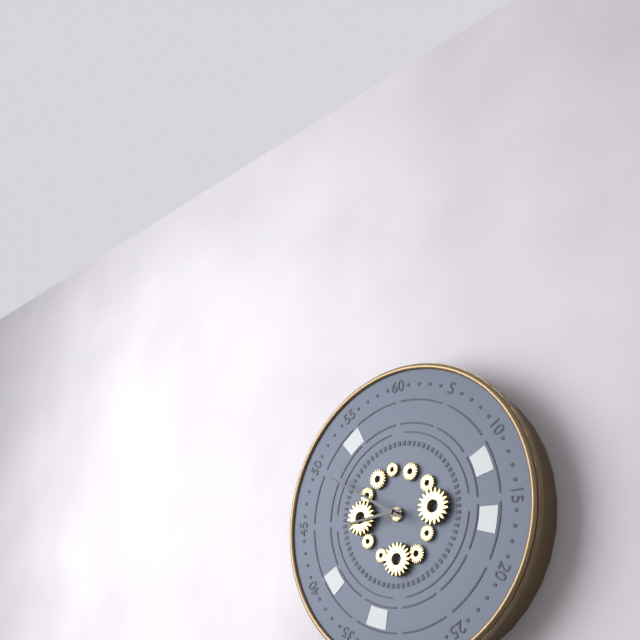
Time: 8h50
